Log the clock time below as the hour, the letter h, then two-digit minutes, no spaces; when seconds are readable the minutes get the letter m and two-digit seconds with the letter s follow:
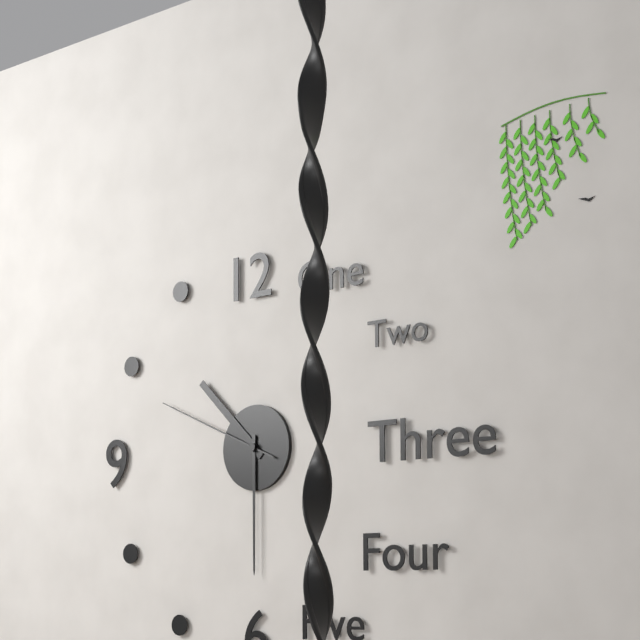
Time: 10h30m49s
